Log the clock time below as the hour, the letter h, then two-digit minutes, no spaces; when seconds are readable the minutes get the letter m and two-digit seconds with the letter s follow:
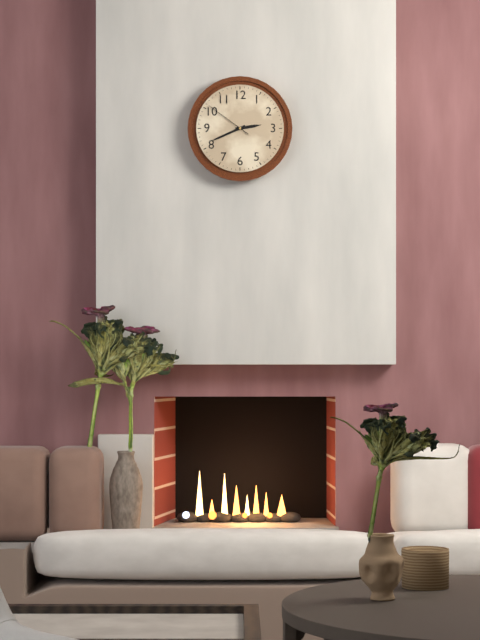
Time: 2h41
